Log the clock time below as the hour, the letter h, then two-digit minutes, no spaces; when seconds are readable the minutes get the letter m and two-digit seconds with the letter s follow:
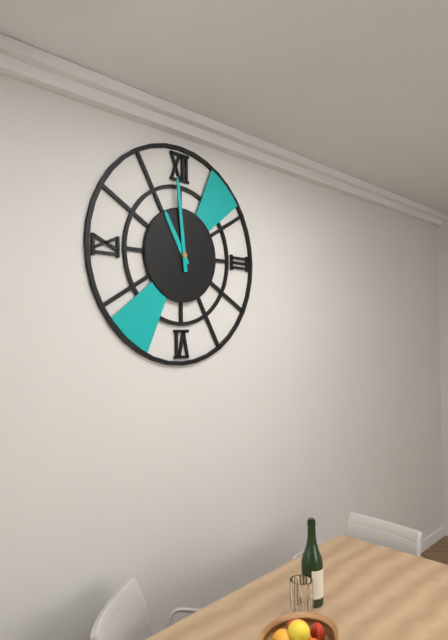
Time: 10h59
